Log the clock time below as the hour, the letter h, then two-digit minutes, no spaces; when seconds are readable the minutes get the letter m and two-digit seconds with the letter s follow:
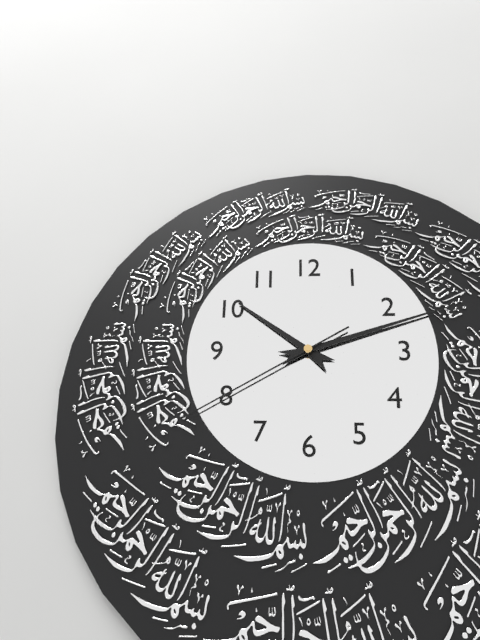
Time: 10h12m40s
